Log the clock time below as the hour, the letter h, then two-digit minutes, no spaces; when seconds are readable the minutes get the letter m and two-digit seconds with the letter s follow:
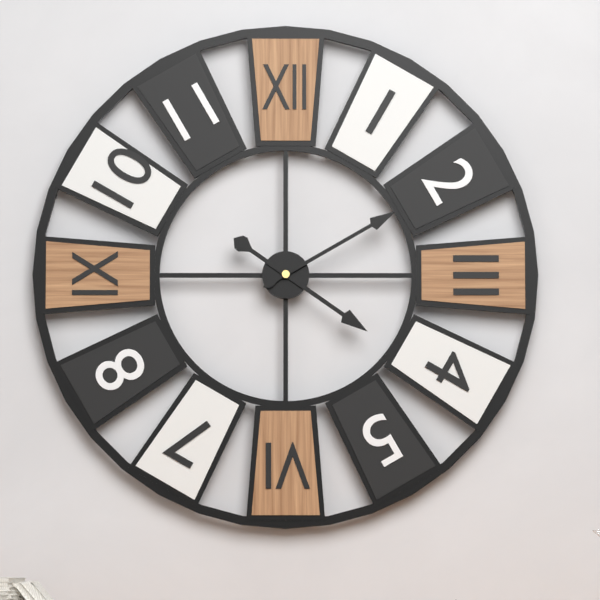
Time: 4h10
